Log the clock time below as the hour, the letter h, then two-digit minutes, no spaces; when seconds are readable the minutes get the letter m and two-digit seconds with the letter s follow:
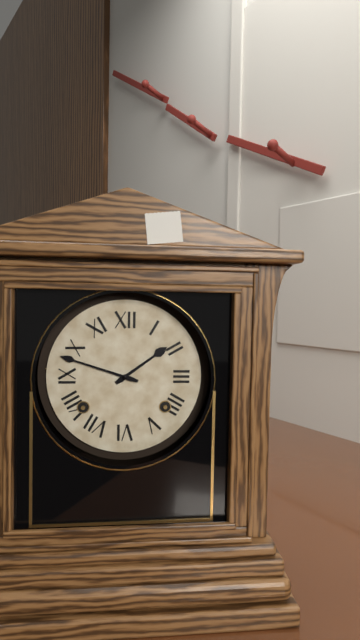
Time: 1h48
